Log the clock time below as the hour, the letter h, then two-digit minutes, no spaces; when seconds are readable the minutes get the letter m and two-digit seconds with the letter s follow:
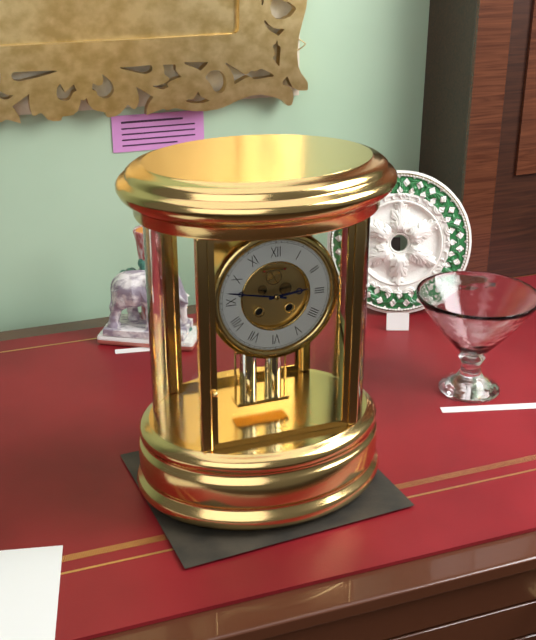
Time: 2h47
